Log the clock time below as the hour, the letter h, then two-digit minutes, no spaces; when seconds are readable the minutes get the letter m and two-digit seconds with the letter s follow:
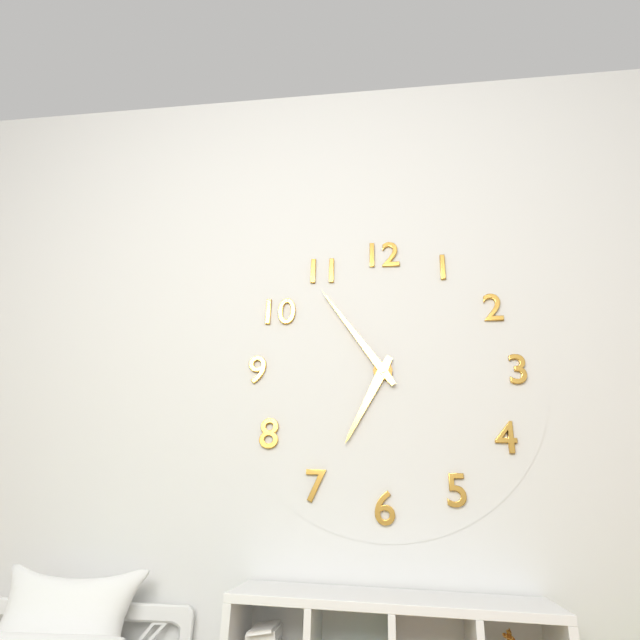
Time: 6h54
